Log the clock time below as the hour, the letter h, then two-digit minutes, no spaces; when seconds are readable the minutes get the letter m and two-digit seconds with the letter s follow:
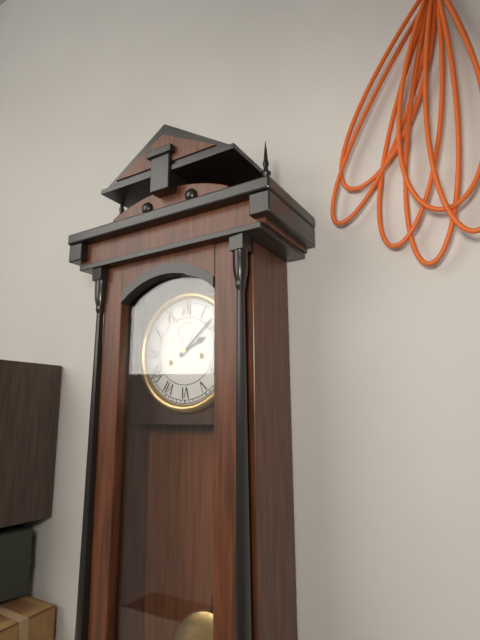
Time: 2h08
